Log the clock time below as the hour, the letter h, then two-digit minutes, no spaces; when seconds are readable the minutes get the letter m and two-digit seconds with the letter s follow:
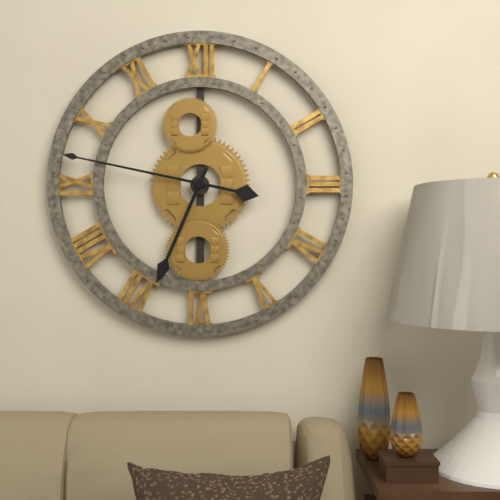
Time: 6h47
